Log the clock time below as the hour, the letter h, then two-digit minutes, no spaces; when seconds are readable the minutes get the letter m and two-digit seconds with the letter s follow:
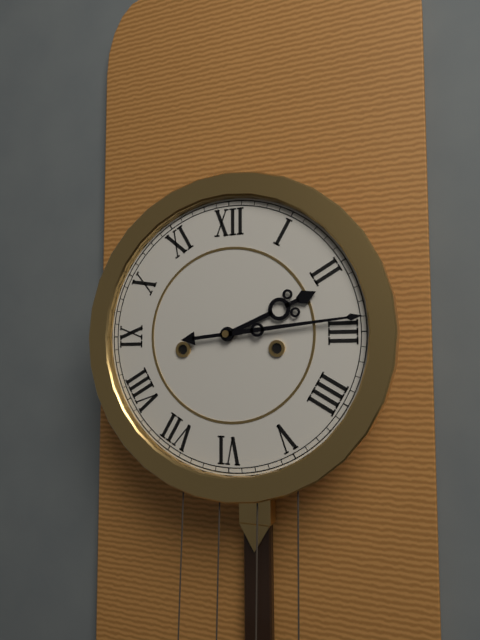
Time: 2h14
